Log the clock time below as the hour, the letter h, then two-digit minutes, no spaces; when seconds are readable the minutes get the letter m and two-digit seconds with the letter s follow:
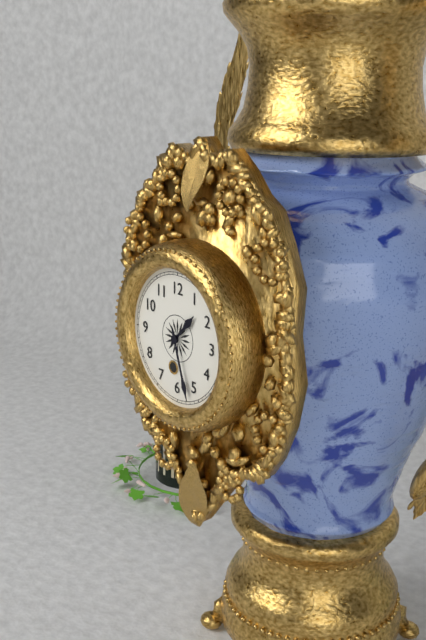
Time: 1h27
